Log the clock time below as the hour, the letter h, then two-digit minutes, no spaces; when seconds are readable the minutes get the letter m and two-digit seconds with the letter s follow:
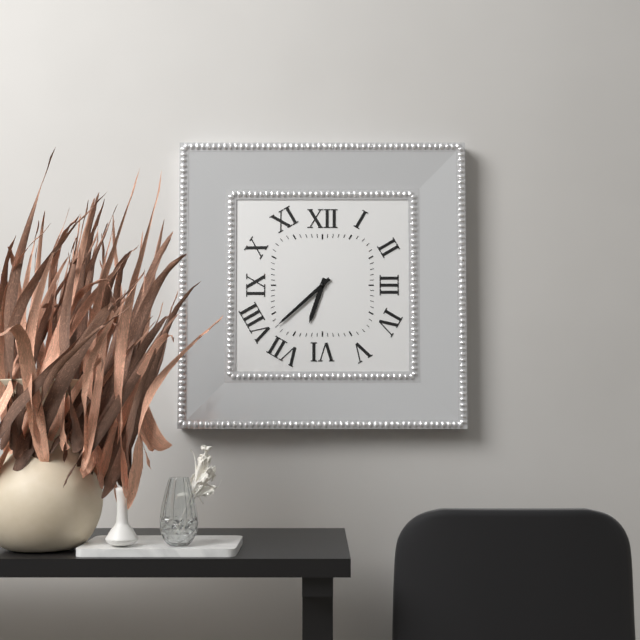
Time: 6h38
